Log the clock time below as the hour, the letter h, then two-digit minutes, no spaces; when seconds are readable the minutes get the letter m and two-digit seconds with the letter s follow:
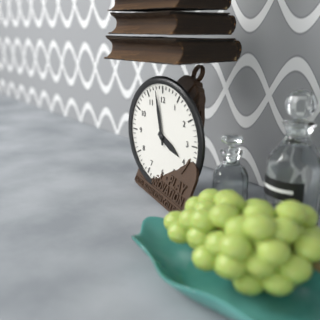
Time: 3h58
